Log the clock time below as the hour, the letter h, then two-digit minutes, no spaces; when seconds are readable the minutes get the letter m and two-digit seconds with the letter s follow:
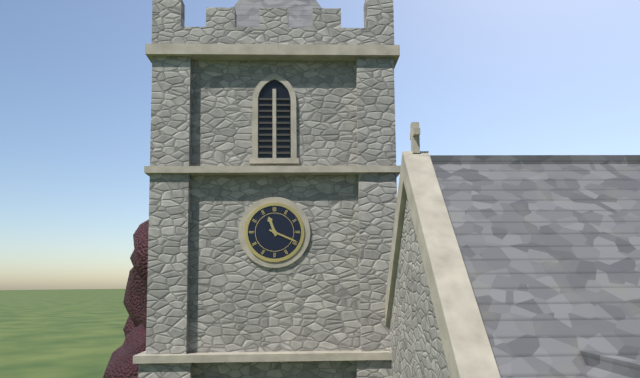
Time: 11h19
